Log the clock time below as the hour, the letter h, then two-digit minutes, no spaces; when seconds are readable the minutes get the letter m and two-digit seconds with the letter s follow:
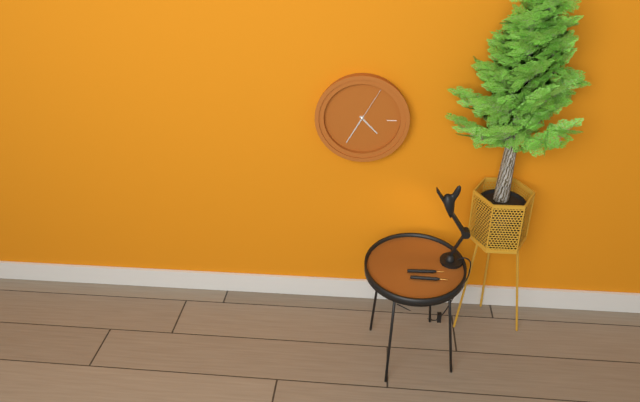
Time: 4h35
